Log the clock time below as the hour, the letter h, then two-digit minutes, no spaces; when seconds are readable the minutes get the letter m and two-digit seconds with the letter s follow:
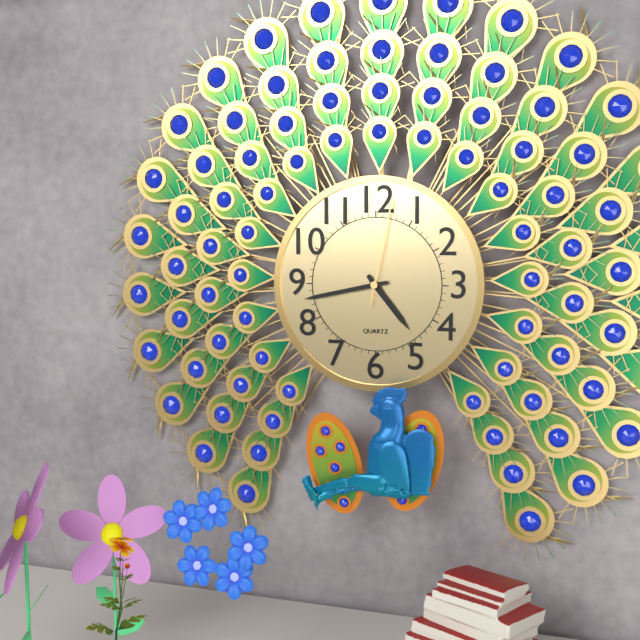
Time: 4h43m02s
